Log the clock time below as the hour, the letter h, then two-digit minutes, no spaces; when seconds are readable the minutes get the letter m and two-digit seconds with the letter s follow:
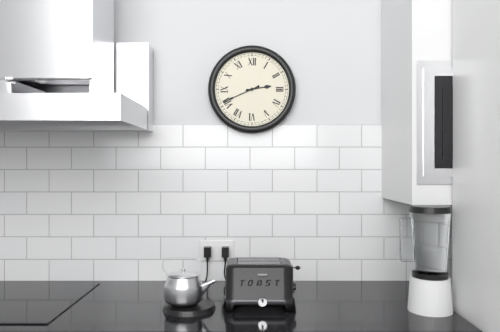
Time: 2h41
